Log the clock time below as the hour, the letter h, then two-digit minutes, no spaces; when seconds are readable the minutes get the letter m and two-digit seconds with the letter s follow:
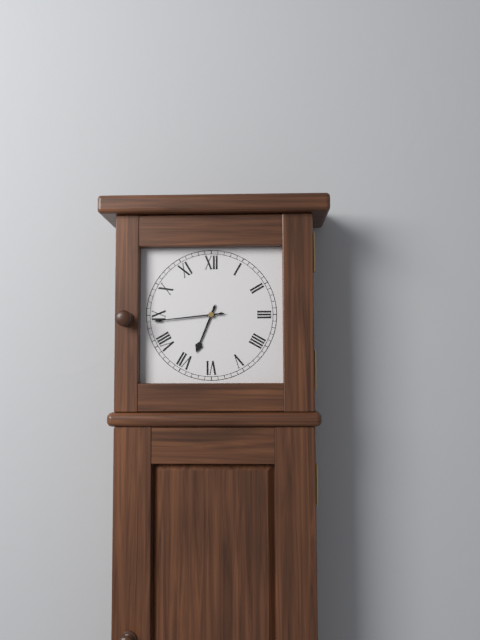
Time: 6h44
